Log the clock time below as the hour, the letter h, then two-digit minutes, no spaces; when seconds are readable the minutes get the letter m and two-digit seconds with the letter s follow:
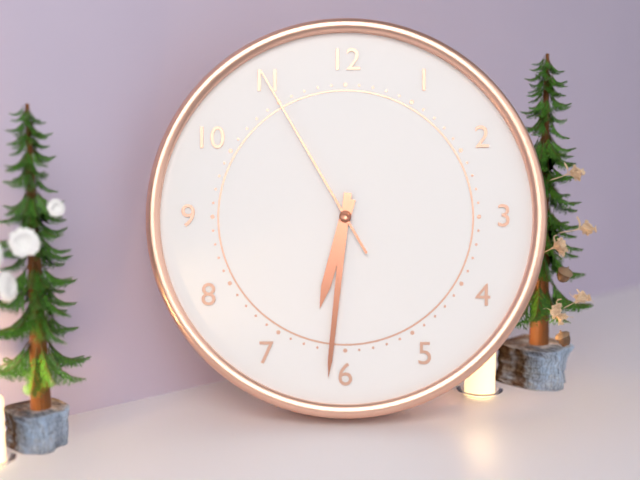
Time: 6h31m55s
